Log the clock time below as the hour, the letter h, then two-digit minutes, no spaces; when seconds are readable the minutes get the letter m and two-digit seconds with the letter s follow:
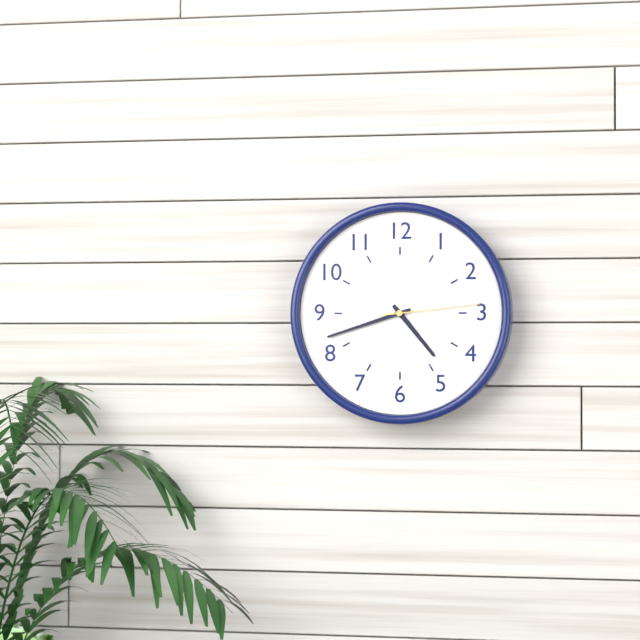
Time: 4h42m14s
